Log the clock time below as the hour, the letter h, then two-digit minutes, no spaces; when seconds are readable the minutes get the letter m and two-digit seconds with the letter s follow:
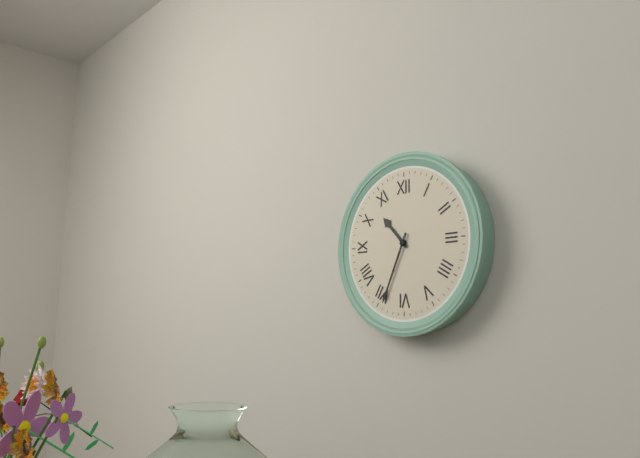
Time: 10h34
